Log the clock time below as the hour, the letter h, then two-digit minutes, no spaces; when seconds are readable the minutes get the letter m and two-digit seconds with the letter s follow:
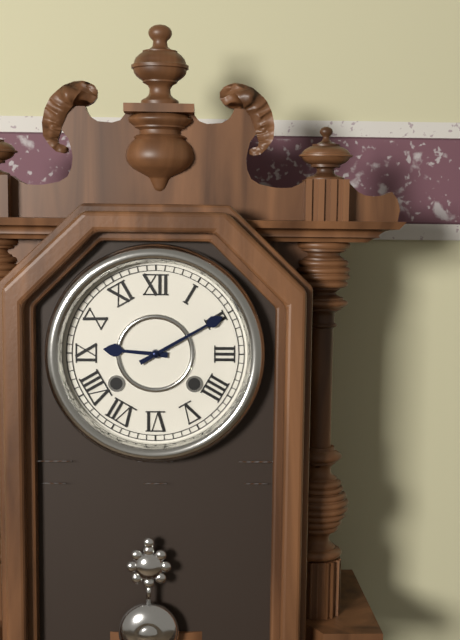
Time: 9h10
